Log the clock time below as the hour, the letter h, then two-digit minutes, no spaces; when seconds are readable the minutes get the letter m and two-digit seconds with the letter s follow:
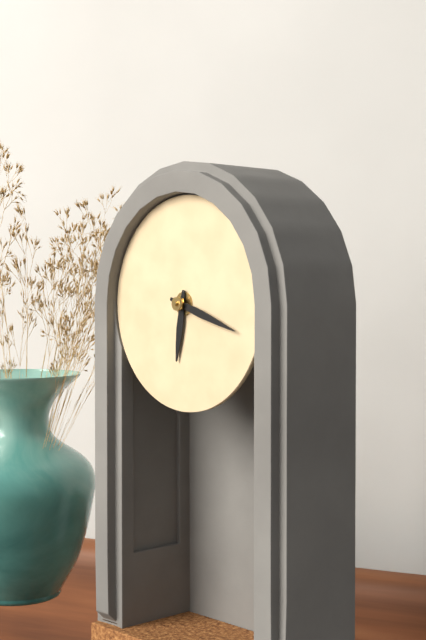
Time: 6h18
